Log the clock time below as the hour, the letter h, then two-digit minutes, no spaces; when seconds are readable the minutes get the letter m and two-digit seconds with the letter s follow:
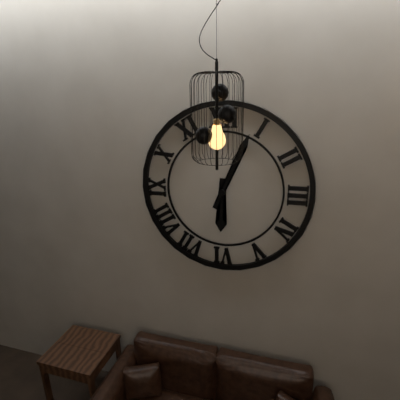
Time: 6h04
